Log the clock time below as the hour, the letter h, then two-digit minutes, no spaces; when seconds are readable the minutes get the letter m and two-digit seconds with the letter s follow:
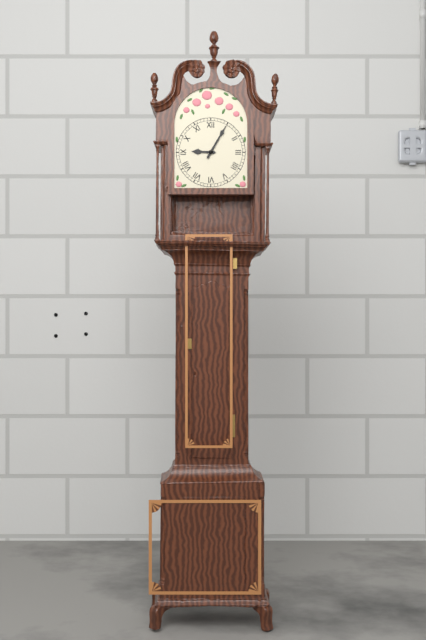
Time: 9h05
